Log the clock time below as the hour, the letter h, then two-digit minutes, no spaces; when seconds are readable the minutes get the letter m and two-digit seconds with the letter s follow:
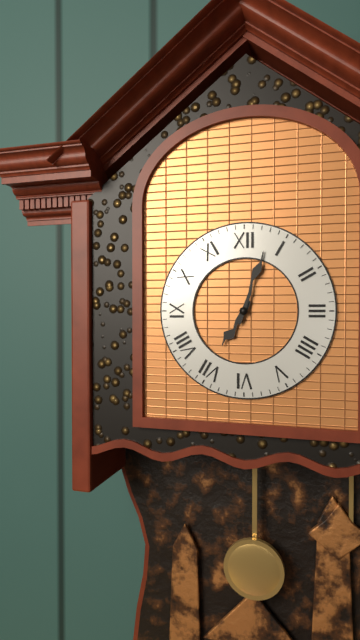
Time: 7h03
